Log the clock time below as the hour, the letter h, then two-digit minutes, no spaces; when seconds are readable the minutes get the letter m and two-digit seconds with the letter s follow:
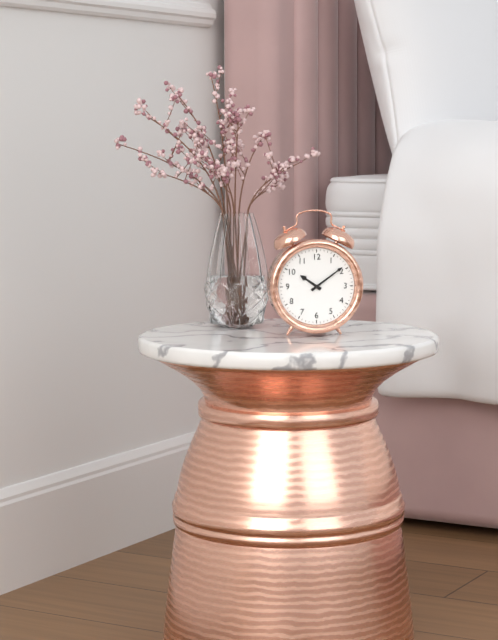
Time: 10h09
